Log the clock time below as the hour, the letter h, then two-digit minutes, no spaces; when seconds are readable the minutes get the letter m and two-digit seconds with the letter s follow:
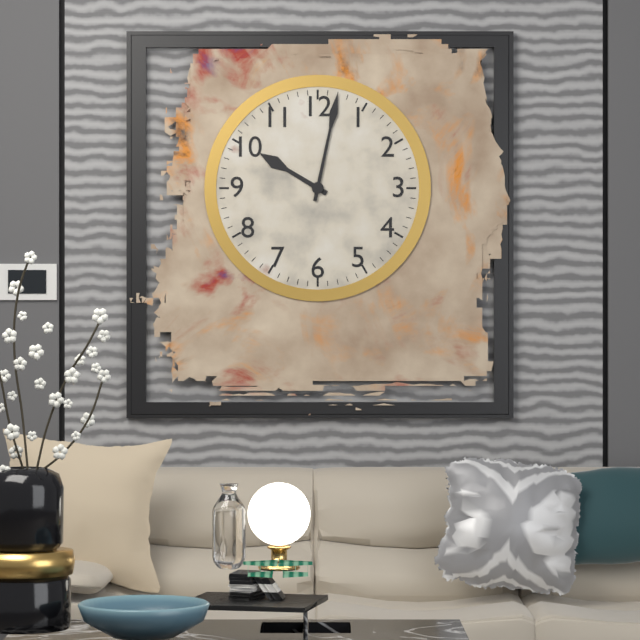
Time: 10h02
